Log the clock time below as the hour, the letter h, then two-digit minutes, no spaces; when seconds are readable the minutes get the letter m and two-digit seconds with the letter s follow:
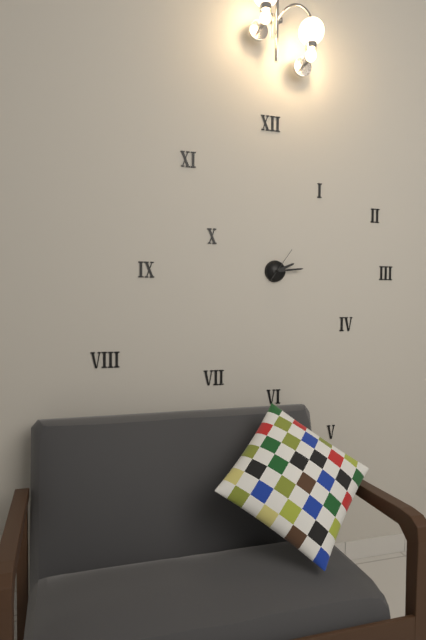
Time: 2h14
